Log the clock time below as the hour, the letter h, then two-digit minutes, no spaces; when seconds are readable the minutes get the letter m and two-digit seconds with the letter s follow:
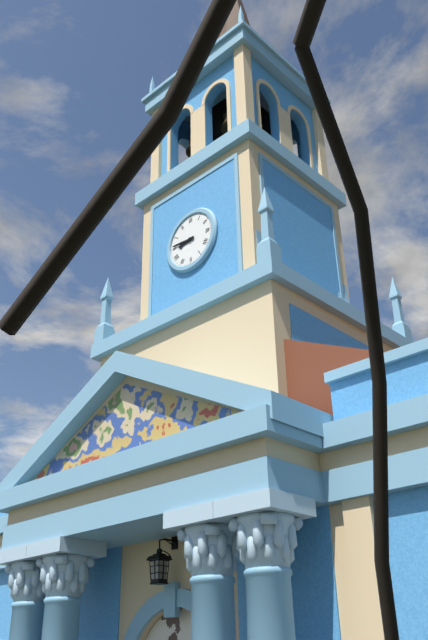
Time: 8h46
